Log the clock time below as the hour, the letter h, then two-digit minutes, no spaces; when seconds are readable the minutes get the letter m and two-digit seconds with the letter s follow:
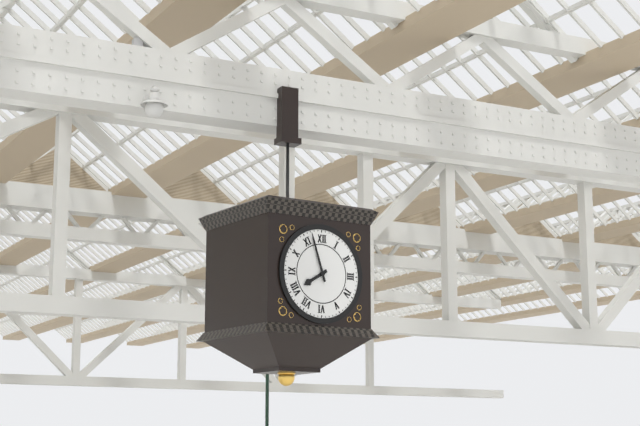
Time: 7h57
